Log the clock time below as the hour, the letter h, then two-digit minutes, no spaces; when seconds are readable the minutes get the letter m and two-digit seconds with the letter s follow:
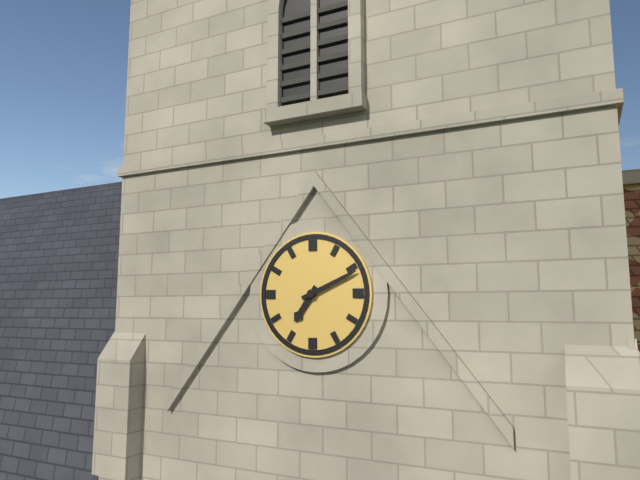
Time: 7h11
